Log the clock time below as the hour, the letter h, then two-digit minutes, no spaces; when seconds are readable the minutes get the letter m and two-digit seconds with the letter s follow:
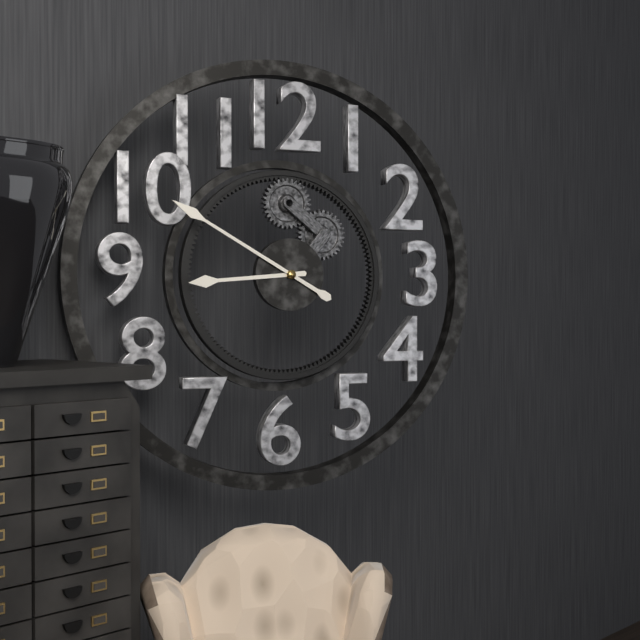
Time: 8h50
